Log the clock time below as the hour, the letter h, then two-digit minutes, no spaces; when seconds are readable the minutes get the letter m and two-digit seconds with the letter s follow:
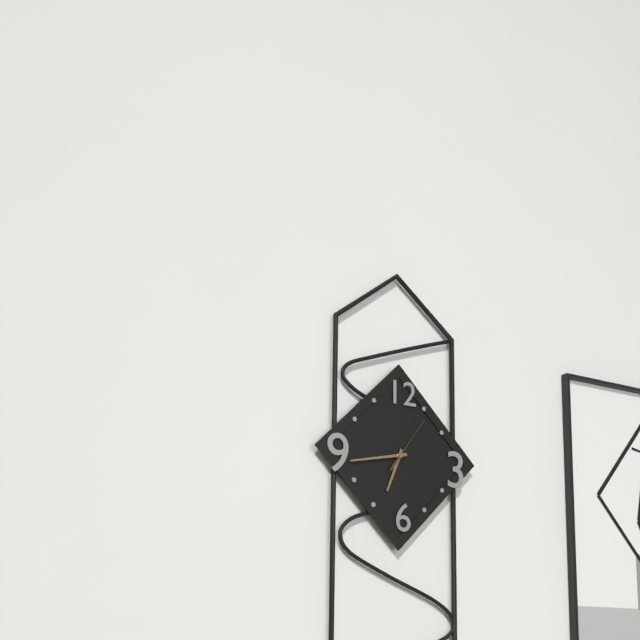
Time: 6h43m06s
